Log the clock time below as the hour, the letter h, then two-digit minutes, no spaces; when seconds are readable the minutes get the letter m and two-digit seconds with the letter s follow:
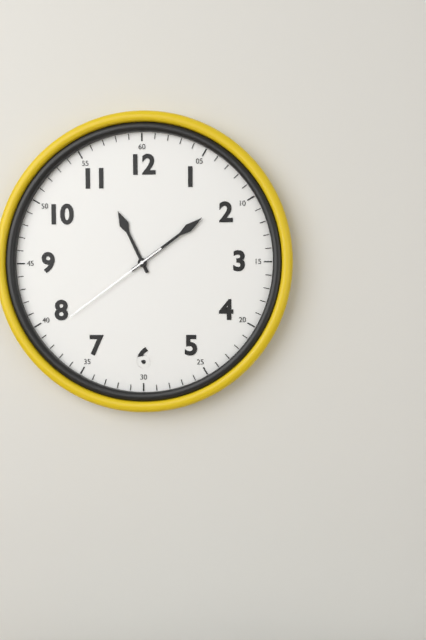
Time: 11h09m39s
